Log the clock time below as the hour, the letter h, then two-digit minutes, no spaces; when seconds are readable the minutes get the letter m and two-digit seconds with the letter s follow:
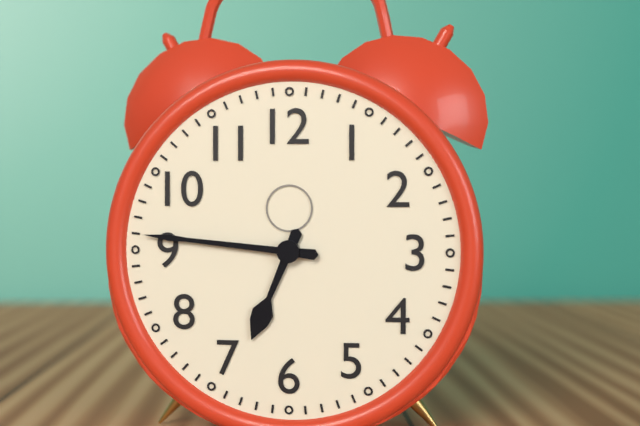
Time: 6h46
